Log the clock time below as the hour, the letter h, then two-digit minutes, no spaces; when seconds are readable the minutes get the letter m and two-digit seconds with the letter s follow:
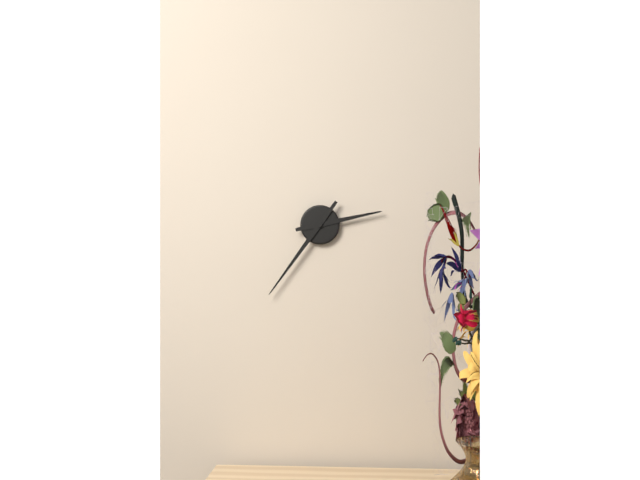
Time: 2h36
